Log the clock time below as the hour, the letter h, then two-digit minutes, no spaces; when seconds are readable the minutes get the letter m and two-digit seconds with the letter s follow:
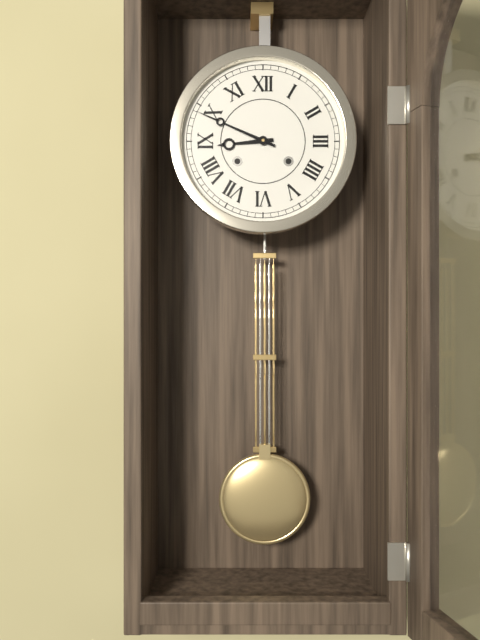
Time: 8h49
